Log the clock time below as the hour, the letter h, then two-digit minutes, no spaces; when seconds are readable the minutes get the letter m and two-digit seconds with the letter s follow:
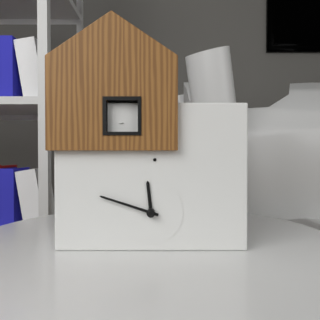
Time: 11h48
